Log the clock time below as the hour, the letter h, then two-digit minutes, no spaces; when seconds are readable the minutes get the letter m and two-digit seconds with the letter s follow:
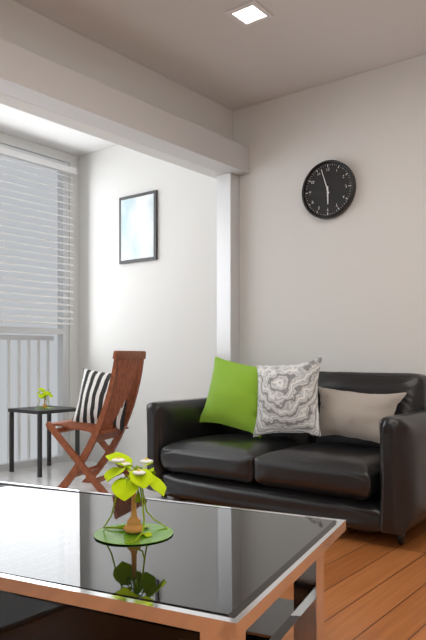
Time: 5h57
